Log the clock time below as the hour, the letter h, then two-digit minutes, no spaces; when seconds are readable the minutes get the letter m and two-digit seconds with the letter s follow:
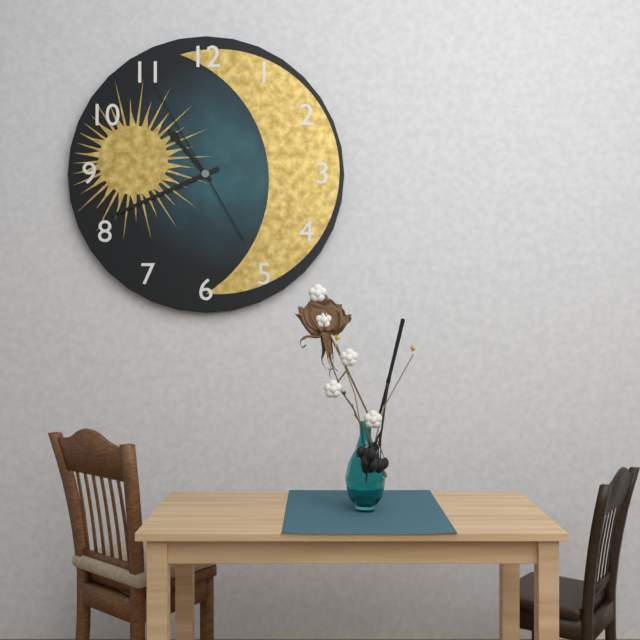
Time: 10h41m55s
